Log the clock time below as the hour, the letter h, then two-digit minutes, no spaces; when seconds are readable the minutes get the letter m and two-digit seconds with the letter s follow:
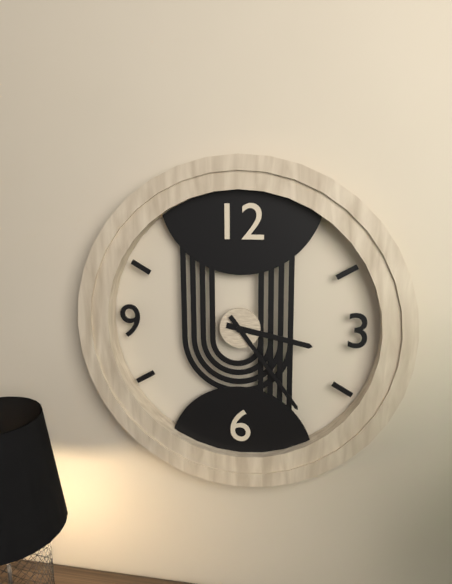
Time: 3h24
